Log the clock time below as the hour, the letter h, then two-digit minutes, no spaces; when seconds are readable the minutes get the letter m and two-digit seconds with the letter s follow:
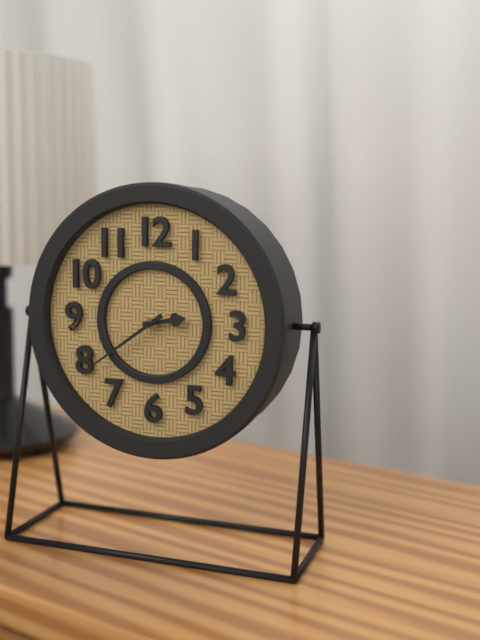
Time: 2h39
